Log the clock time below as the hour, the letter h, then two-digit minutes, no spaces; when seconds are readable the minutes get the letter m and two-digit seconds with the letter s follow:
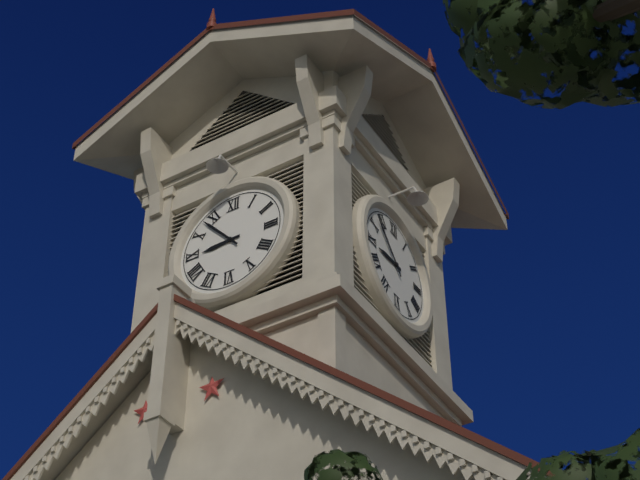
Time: 8h53
